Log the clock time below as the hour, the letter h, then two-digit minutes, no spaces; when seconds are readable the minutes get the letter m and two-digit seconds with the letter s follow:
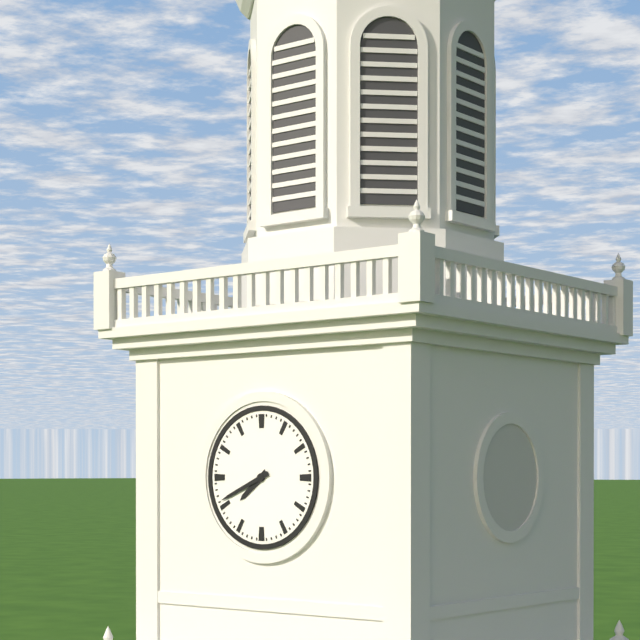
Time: 7h41
